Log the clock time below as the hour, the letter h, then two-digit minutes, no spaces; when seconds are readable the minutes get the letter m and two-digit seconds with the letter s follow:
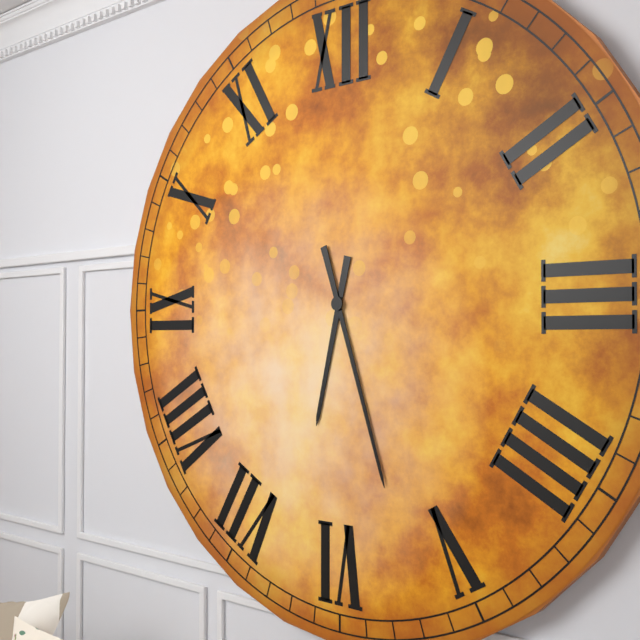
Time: 6h27
